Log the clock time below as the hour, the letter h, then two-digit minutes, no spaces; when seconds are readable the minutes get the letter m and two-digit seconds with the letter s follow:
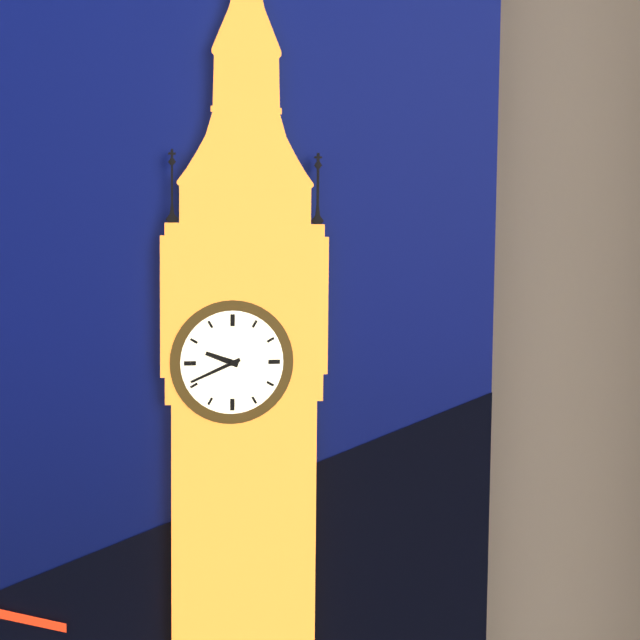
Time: 9h41
